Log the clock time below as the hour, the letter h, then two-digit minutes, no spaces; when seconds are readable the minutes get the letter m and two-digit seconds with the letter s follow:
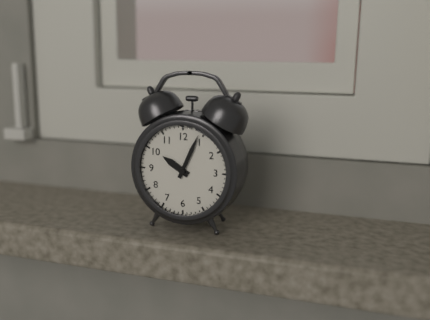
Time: 10h04
